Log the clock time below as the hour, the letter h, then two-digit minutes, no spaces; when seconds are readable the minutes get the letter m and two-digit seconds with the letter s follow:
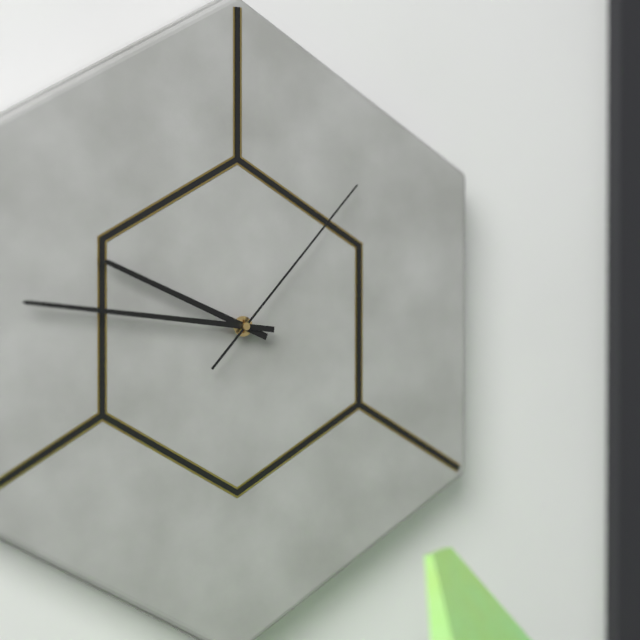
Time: 9h46m07s
